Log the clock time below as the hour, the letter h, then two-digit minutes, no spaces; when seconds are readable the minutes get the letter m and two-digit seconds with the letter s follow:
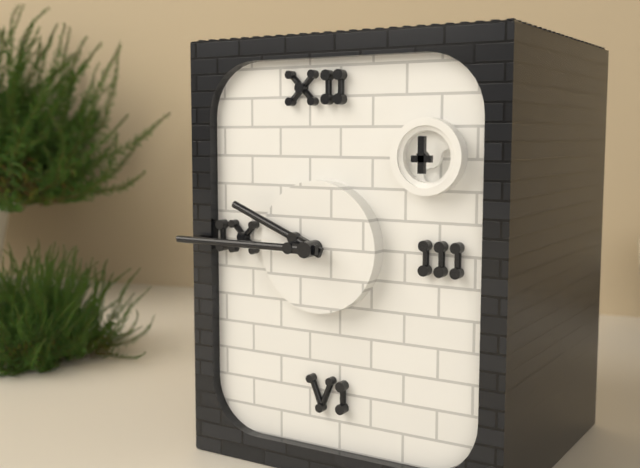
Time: 9h45
